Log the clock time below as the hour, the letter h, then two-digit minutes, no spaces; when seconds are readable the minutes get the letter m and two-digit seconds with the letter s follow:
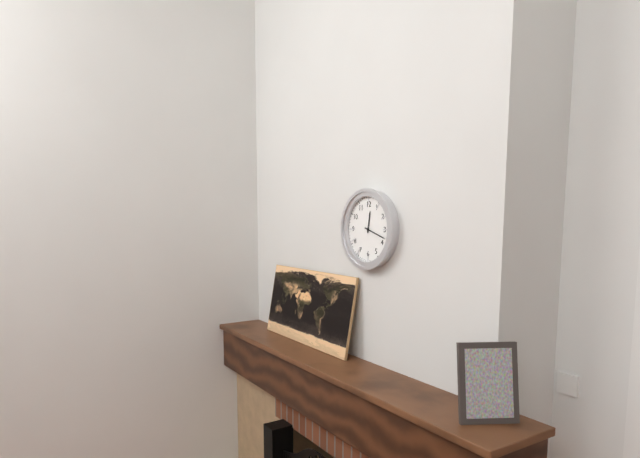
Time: 12h18
